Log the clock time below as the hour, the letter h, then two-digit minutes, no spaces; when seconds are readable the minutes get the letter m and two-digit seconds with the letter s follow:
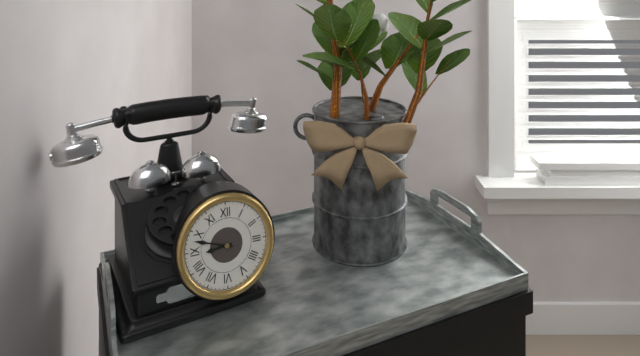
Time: 8h48
